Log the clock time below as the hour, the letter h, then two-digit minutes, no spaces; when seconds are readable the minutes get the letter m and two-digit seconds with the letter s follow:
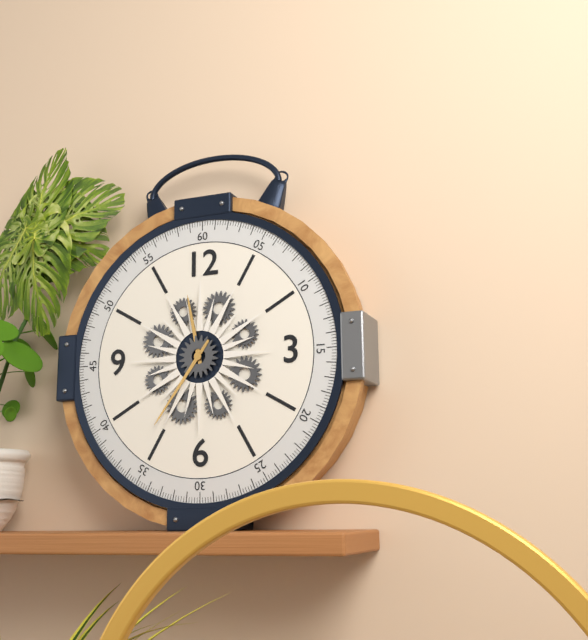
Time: 11h36
